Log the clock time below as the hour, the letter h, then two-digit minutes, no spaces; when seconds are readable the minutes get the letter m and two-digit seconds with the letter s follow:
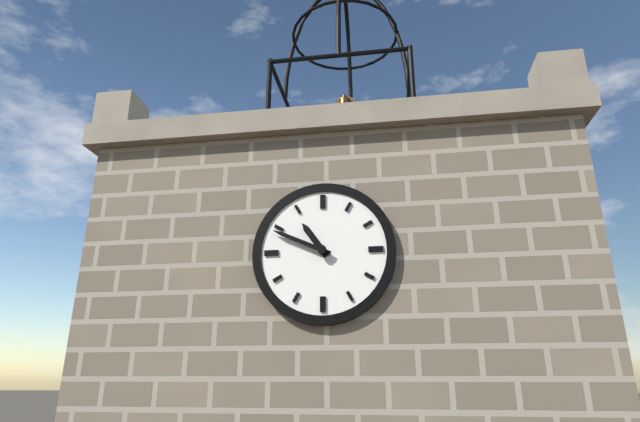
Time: 10h49
